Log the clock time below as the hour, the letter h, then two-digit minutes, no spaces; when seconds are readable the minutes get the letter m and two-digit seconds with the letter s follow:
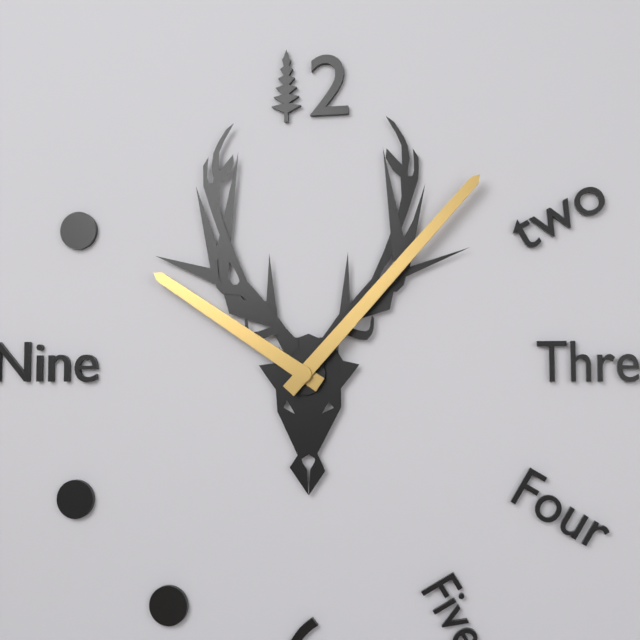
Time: 10h07
